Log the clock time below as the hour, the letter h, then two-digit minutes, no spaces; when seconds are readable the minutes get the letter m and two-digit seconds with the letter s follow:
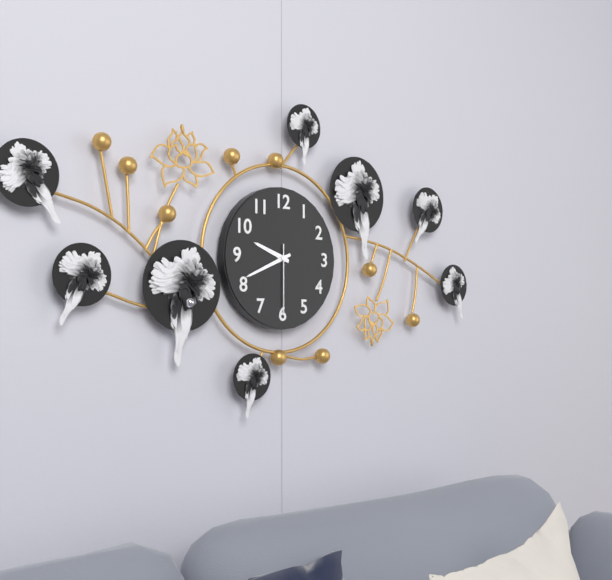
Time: 9h41m30s
